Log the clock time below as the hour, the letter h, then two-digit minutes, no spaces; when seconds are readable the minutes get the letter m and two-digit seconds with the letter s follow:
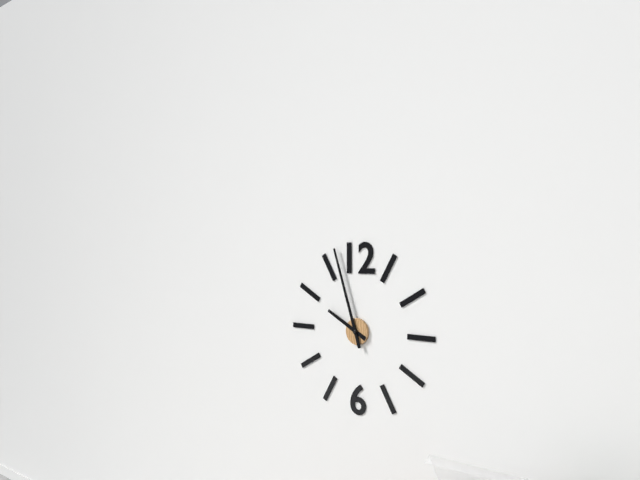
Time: 9h57
